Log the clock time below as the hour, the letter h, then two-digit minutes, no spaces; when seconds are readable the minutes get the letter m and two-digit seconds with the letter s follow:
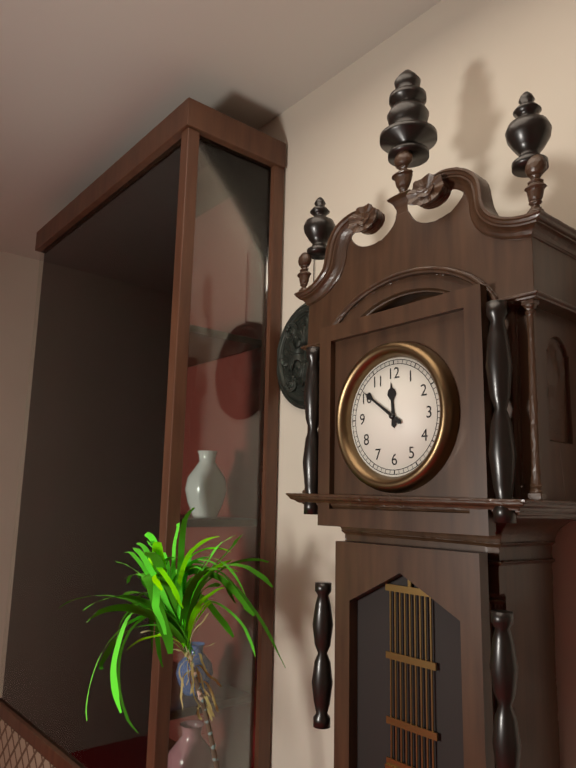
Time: 11h51
